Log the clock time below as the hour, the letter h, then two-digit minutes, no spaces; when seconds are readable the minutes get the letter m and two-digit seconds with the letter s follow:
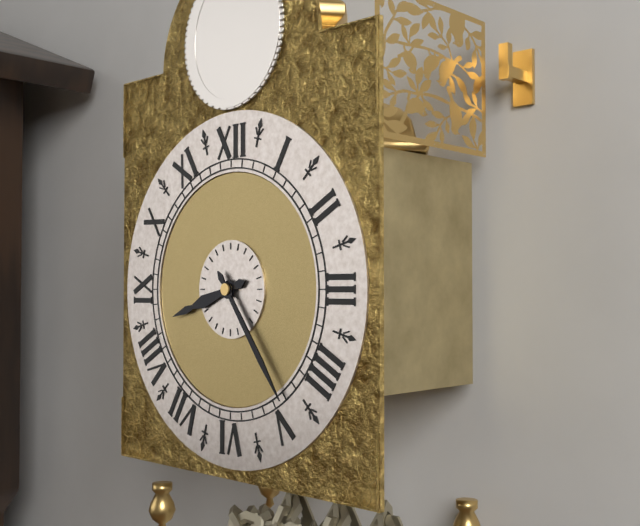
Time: 8h24
